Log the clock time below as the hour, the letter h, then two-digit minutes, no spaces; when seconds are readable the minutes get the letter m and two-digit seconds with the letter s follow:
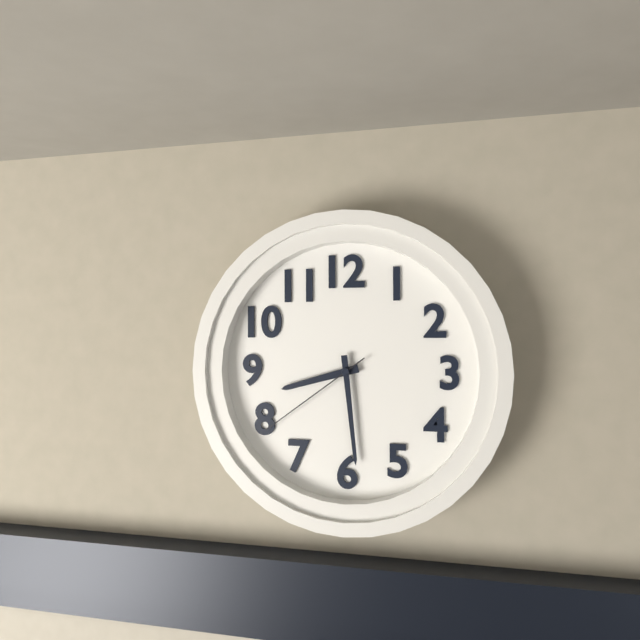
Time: 8h29m39s
